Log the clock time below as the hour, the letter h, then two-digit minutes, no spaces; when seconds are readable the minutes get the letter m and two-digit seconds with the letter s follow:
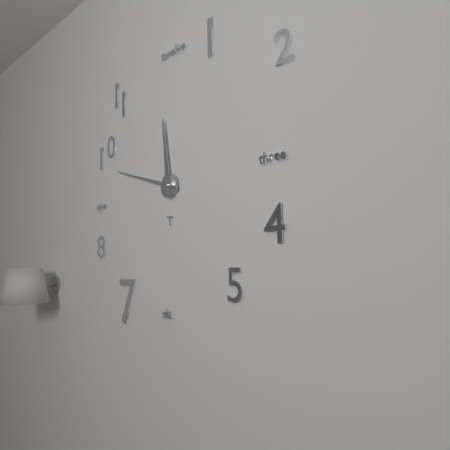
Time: 11h48
